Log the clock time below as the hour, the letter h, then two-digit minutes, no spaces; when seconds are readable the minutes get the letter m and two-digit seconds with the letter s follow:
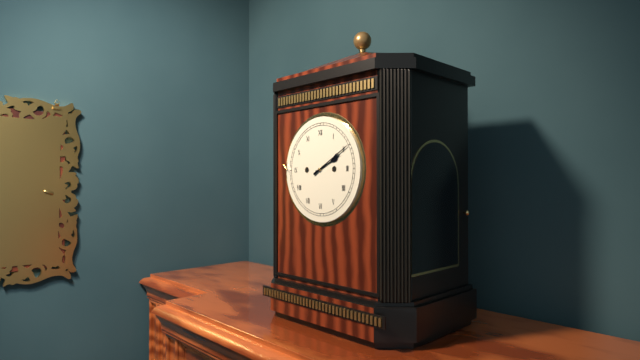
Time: 2h10
